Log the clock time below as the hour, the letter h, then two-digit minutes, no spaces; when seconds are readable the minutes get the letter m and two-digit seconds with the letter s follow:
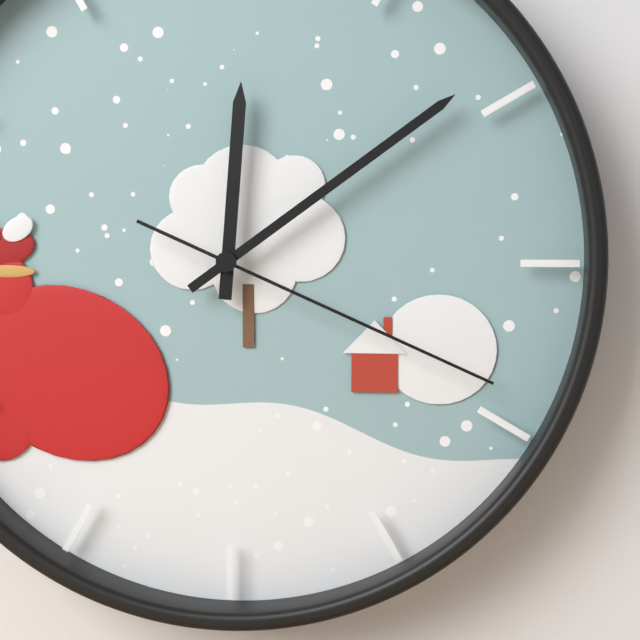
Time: 12h09m19s
